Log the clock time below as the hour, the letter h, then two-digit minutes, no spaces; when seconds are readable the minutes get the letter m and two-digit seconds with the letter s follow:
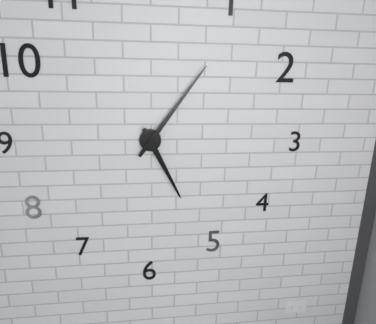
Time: 5h06
